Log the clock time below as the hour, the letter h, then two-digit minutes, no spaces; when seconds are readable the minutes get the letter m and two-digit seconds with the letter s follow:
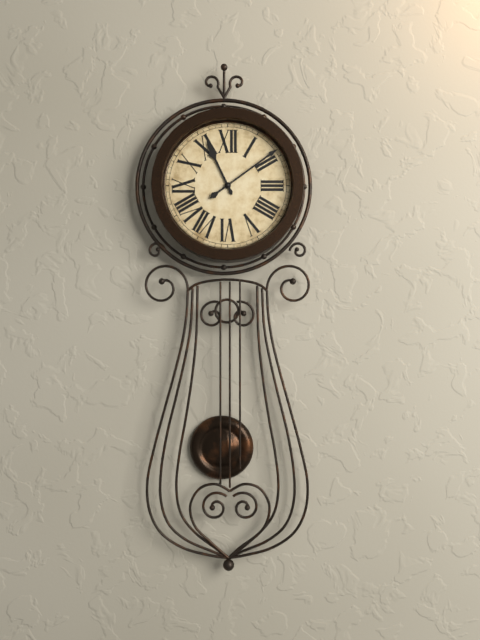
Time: 11h09
